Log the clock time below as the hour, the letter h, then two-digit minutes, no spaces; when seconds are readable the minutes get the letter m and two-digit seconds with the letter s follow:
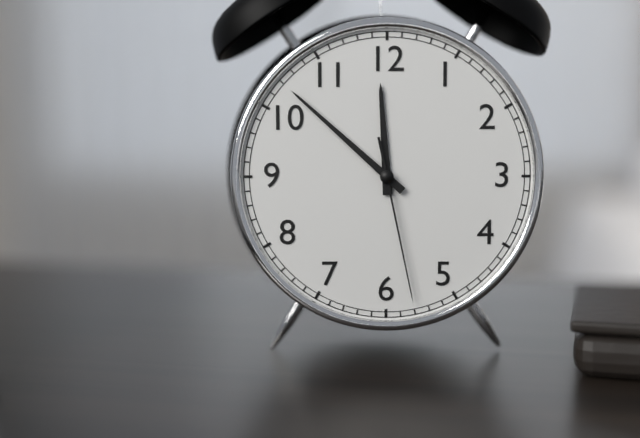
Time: 11h52m28s
